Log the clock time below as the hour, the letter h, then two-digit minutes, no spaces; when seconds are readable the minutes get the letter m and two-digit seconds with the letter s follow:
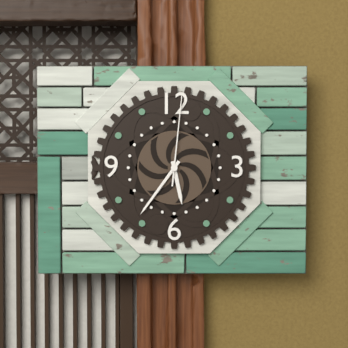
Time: 5h36m01s
